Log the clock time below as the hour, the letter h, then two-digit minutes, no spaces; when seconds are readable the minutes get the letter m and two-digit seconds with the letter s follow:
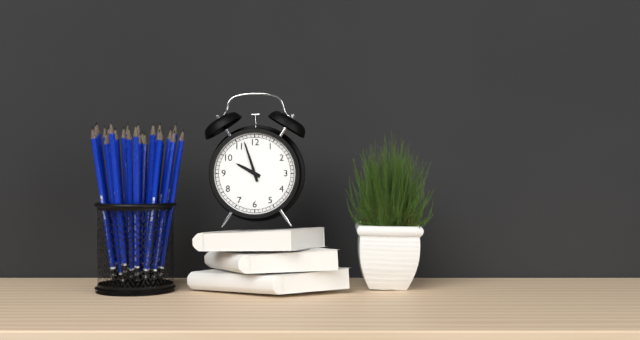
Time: 9h57
